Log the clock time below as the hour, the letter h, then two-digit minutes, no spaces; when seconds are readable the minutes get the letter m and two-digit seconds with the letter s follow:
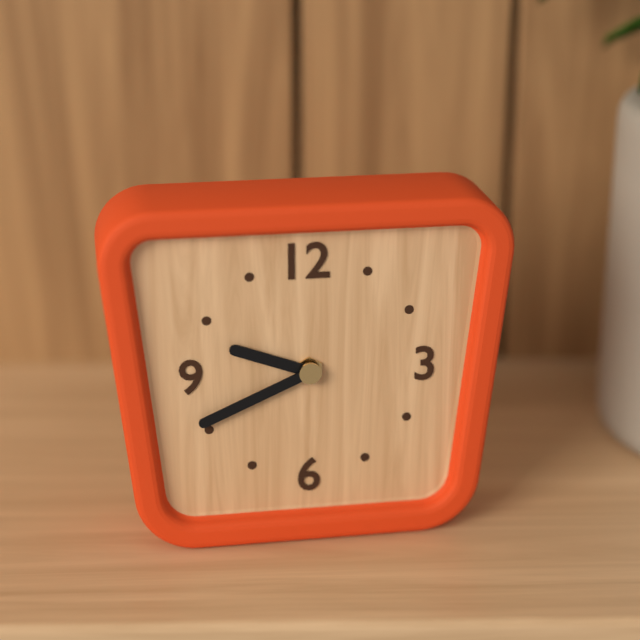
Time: 9h41
